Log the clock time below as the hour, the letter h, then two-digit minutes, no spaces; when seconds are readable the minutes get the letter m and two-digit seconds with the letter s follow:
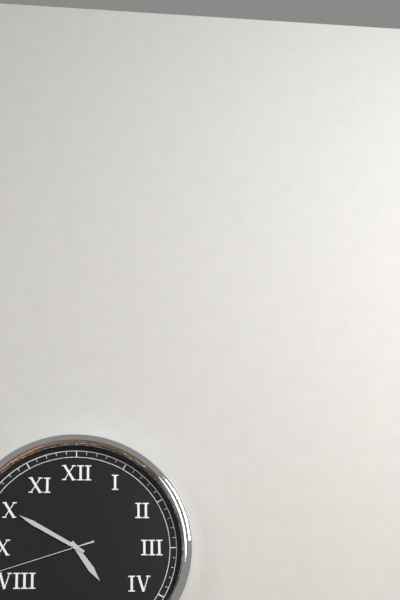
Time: 4h50
